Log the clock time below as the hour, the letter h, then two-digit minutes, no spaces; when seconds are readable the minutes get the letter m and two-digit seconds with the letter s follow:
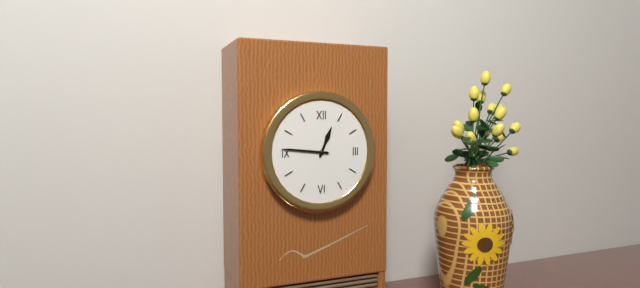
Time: 12h46
